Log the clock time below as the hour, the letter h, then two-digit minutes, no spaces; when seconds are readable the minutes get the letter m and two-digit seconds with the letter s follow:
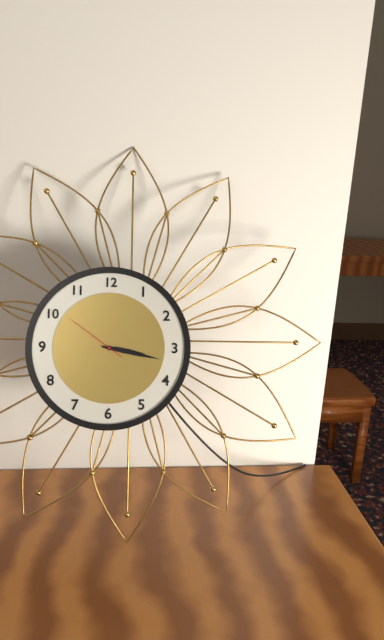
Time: 3h17m51s
